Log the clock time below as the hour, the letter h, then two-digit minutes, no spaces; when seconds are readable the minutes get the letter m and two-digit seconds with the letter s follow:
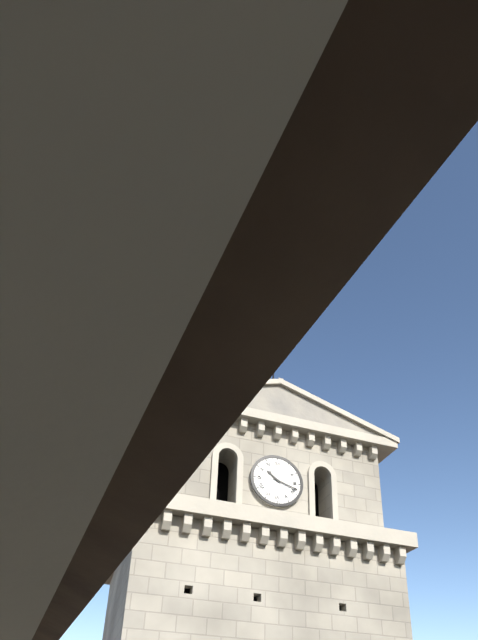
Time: 10h18
